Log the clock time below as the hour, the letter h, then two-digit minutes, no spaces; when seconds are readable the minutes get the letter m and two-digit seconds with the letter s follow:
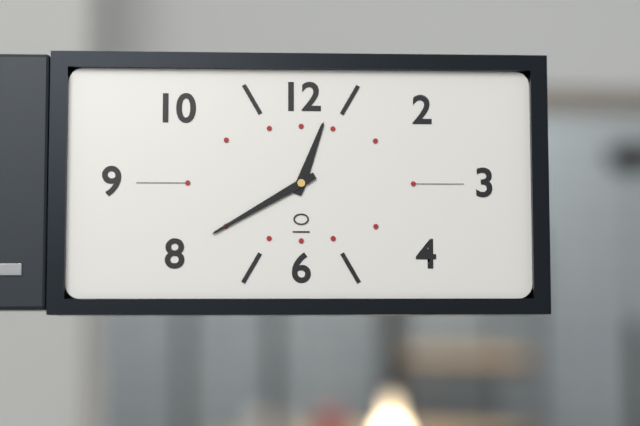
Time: 12h40
